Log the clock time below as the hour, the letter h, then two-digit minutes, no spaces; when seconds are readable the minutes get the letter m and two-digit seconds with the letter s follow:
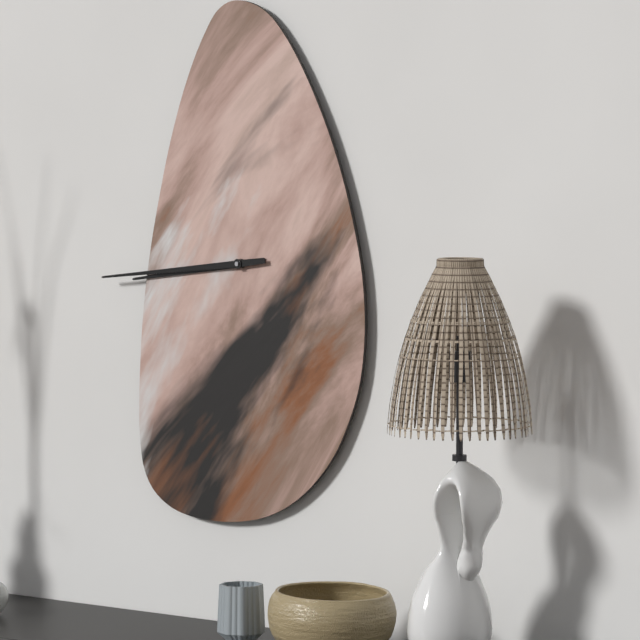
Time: 8h44
